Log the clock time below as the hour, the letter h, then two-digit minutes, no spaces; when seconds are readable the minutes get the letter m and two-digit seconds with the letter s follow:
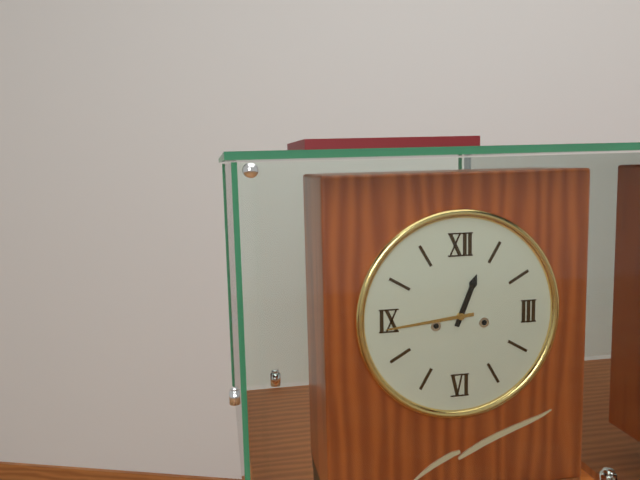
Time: 12h44
